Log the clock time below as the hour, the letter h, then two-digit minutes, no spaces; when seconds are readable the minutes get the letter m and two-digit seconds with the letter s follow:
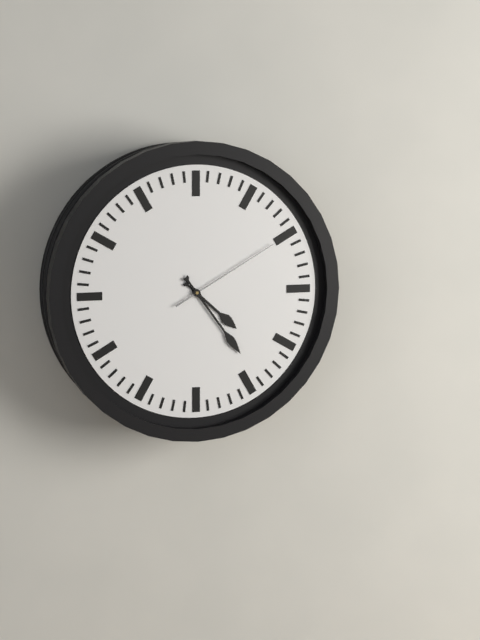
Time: 4h24m10s
